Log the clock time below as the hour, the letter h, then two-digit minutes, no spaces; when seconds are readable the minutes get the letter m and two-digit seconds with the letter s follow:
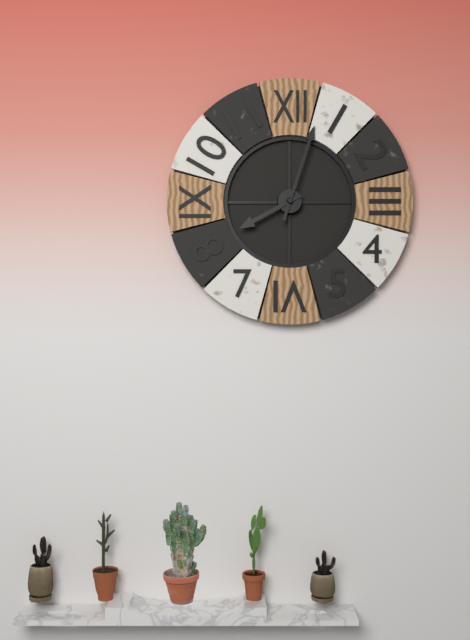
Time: 8h03
